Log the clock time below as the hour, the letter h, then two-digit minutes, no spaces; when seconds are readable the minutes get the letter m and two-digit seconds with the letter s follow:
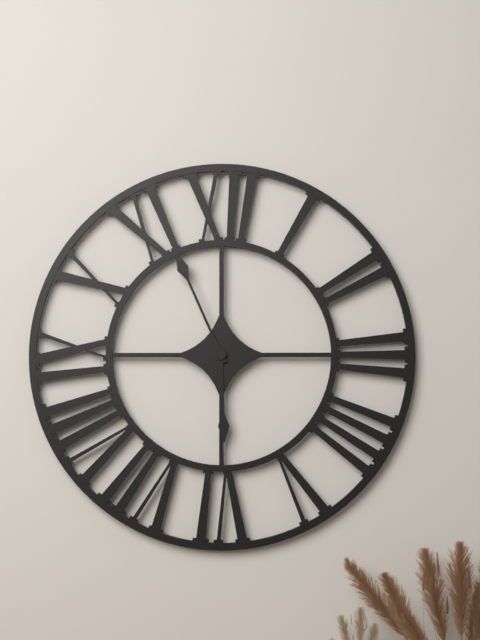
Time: 5h56
